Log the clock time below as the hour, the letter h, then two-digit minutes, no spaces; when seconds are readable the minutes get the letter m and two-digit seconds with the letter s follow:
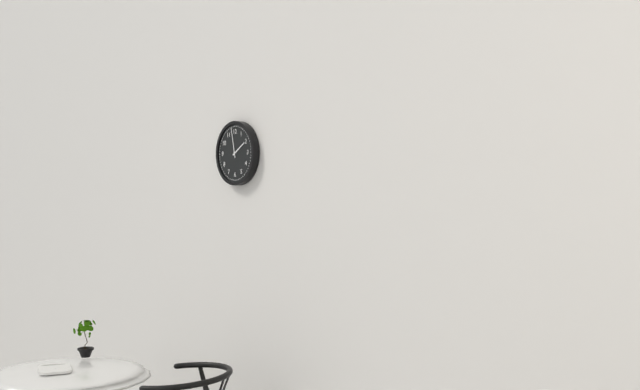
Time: 1h58
